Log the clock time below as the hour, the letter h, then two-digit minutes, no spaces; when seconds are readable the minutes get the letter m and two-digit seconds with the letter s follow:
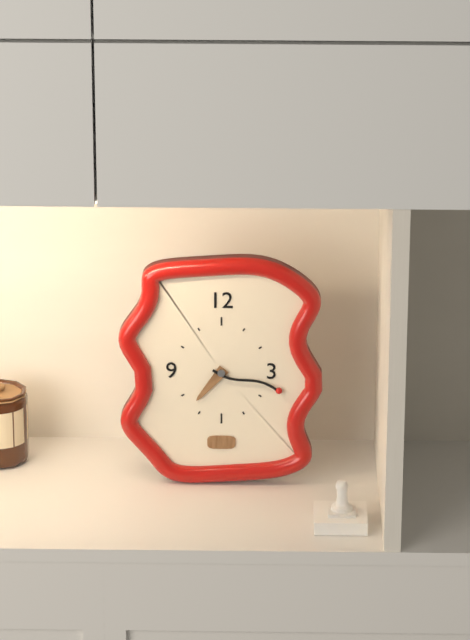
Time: 7h18
